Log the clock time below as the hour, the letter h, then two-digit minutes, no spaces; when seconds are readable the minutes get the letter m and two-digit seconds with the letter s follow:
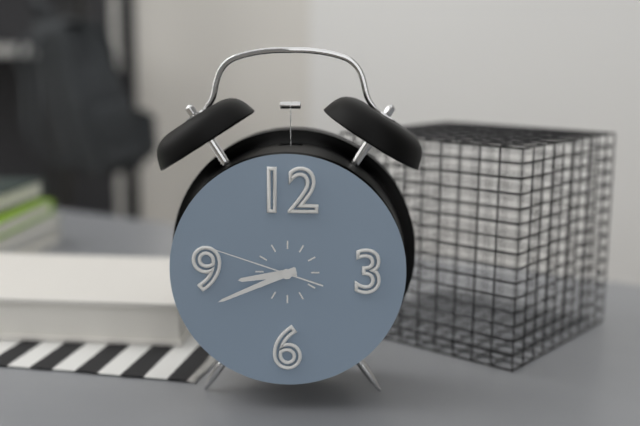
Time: 8h41m48s
